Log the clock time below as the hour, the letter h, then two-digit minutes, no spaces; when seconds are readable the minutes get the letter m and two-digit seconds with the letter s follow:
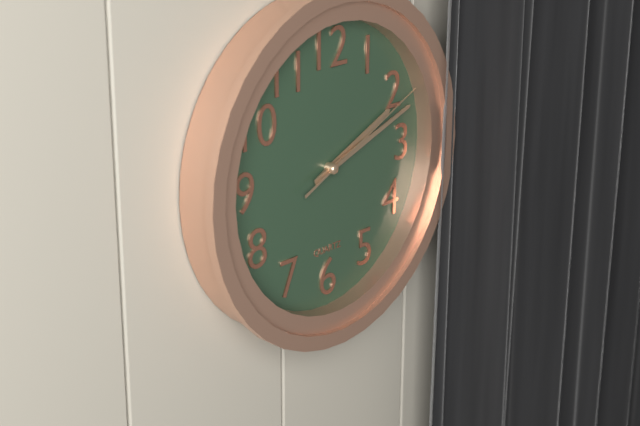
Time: 2h12m11s
